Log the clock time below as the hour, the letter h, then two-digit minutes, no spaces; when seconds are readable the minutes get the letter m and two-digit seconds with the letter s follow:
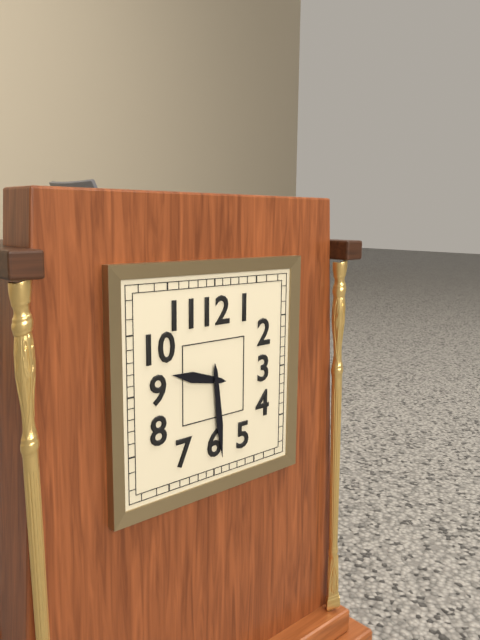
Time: 9h29
